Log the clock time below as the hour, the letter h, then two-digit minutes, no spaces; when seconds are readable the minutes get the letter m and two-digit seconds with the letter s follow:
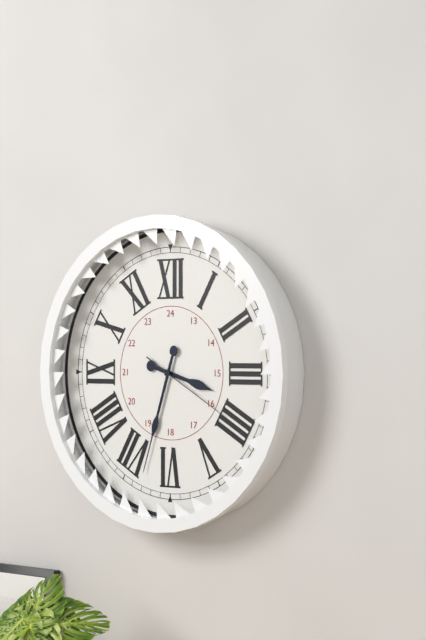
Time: 3h33m20s
